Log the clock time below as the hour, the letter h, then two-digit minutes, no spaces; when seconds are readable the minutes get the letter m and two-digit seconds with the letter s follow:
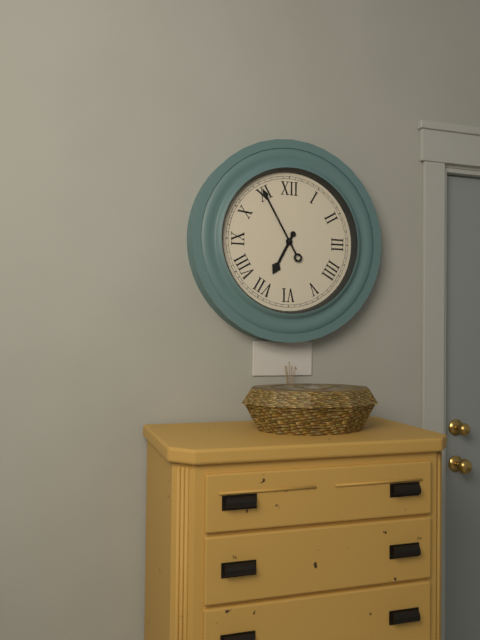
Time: 6h55
